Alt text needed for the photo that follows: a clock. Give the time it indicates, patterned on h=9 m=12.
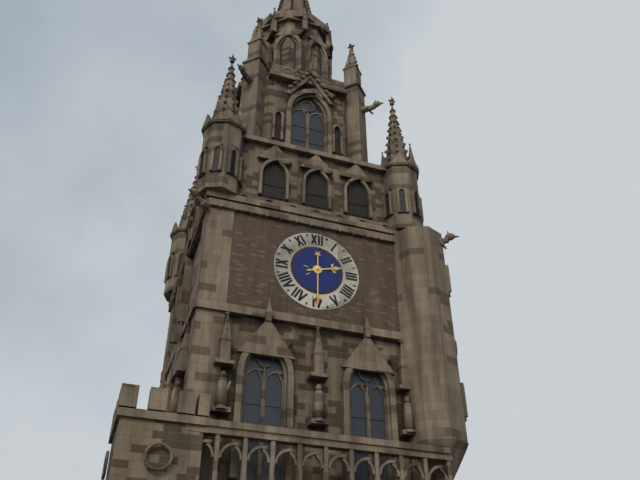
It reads h=2 m=30
